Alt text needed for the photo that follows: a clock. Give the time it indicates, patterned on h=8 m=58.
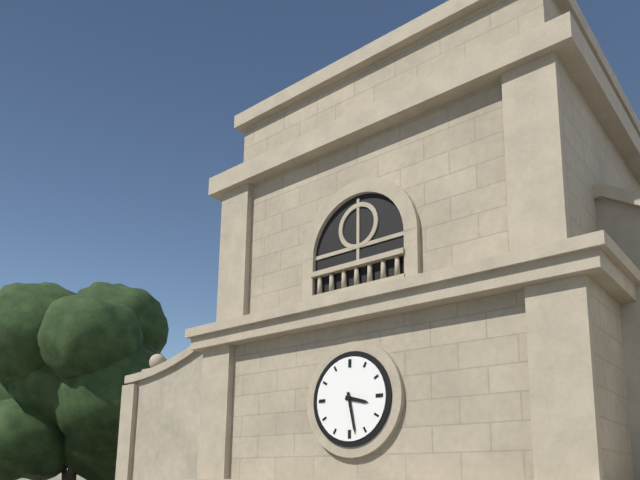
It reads h=3 m=28
